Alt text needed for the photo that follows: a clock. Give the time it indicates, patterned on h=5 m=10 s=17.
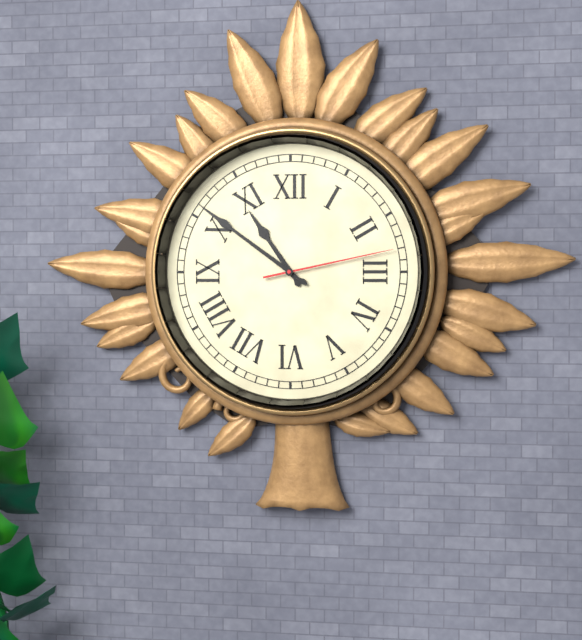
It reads h=10 m=51 s=13
